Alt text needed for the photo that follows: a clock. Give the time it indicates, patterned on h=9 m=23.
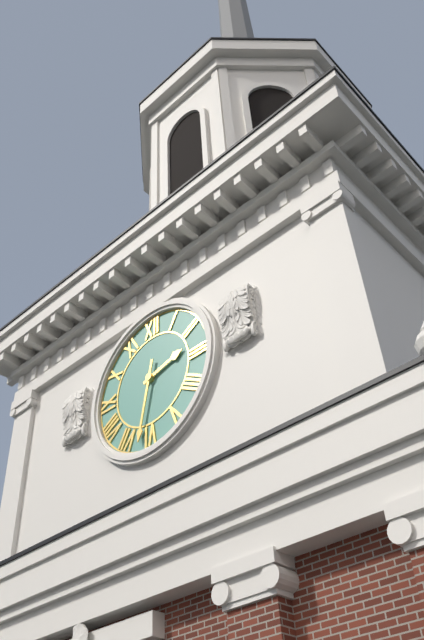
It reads h=2 m=32
